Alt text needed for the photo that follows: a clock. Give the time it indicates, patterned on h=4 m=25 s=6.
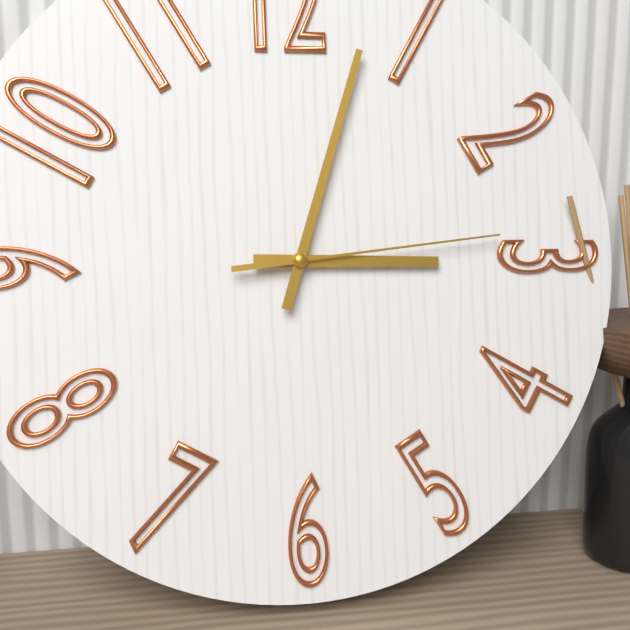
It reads h=3 m=3 s=14
